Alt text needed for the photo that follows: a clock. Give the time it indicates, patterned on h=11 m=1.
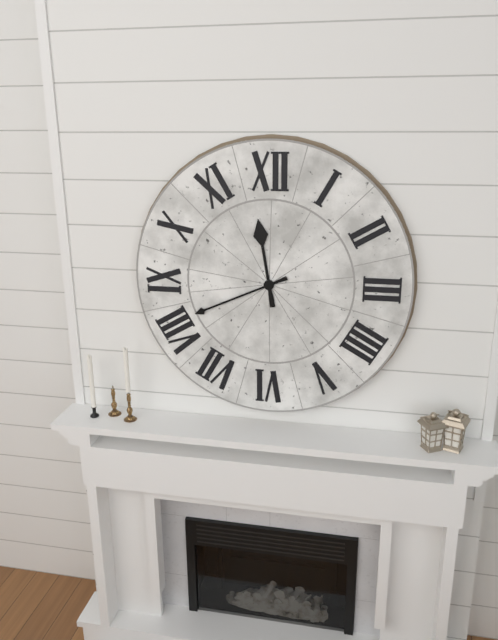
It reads h=11 m=41
